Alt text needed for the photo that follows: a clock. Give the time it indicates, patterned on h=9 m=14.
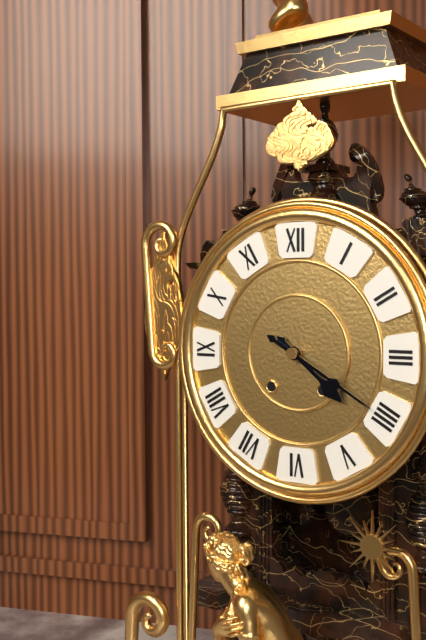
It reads h=4 m=20
